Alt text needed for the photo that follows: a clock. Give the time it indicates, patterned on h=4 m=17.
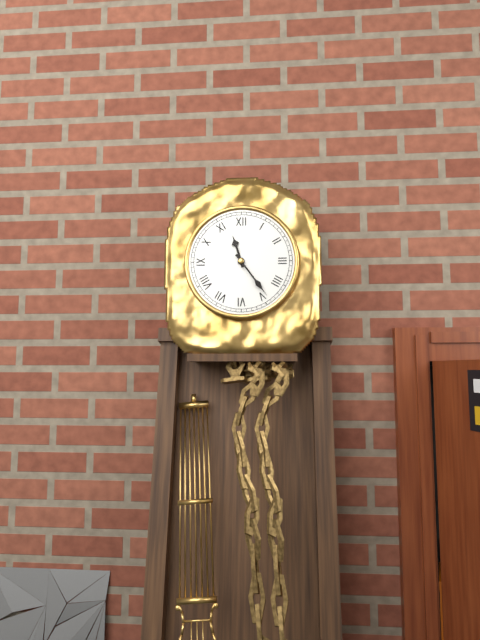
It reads h=11 m=24
